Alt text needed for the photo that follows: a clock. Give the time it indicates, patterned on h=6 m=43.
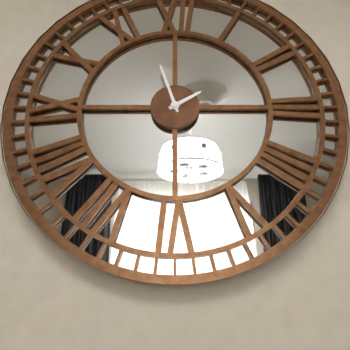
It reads h=1 m=57
